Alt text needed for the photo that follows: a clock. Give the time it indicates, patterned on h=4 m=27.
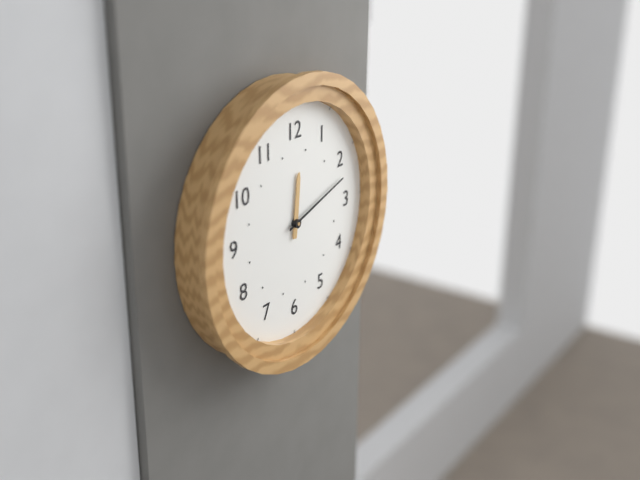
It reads h=12 m=12
